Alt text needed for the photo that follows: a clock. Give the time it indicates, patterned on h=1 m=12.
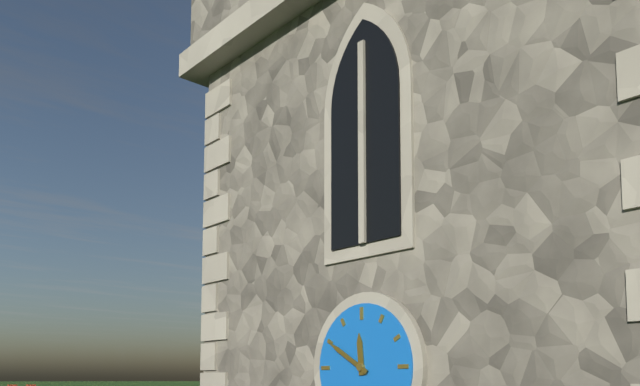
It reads h=11 m=50
